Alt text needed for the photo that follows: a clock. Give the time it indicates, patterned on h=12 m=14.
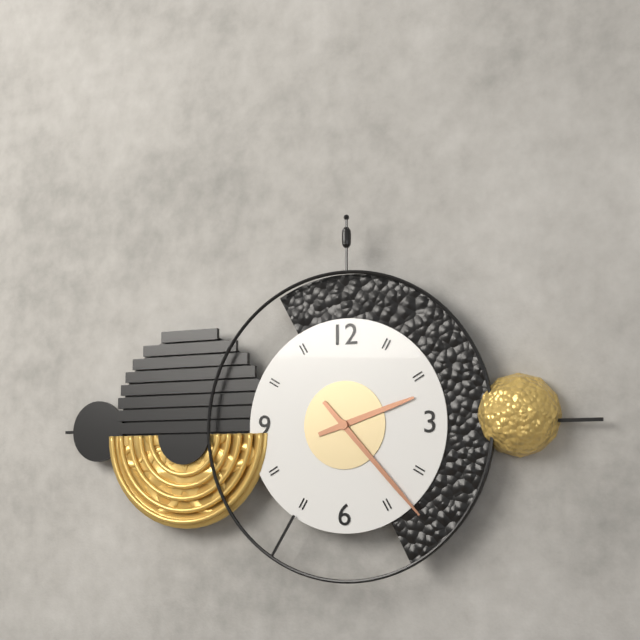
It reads h=2 m=23
